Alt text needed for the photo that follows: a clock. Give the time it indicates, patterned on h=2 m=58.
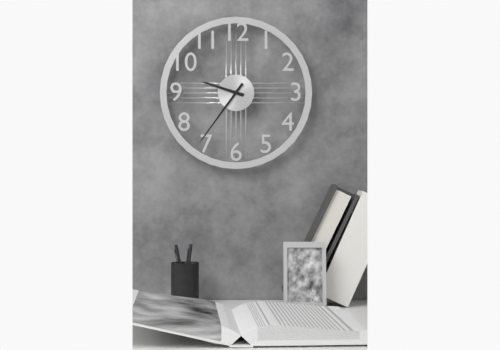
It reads h=9 m=36
